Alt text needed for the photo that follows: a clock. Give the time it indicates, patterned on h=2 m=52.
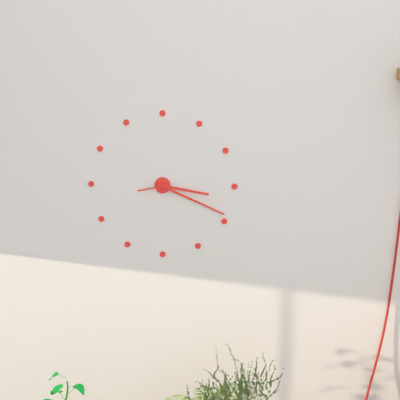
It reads h=3 m=19
